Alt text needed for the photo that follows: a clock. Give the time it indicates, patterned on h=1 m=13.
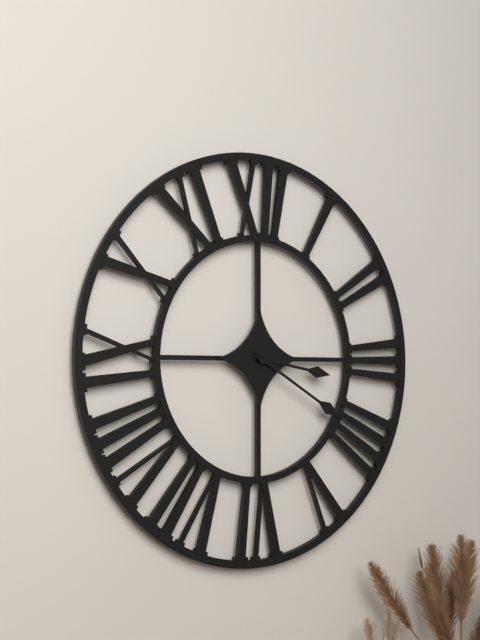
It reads h=3 m=20
